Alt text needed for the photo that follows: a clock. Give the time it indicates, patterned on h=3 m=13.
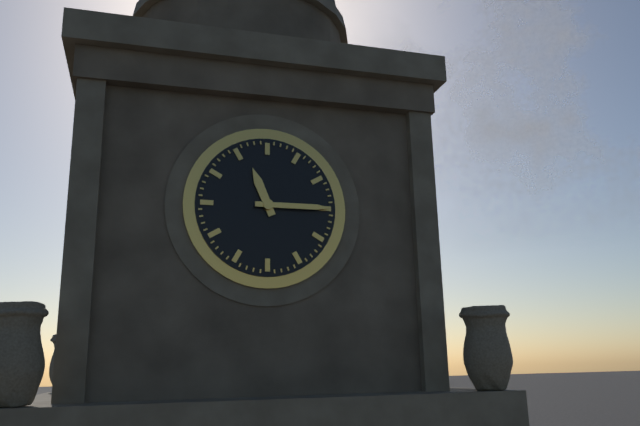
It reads h=11 m=15
